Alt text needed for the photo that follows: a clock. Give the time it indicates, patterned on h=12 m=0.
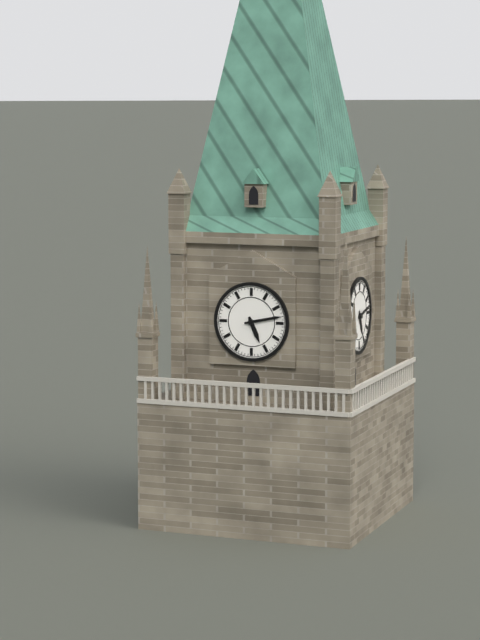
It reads h=5 m=13
